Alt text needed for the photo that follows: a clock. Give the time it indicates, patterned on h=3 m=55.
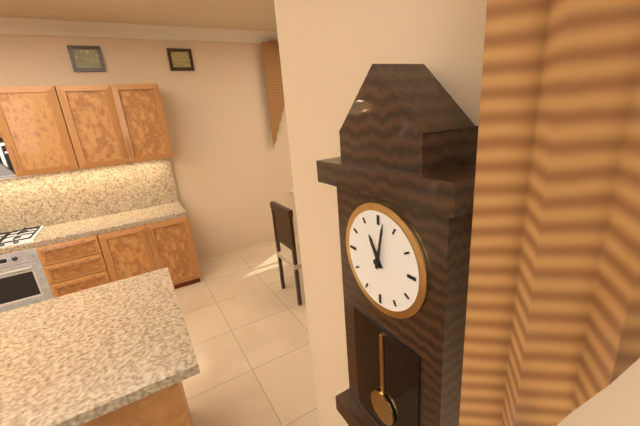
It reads h=11 m=2
